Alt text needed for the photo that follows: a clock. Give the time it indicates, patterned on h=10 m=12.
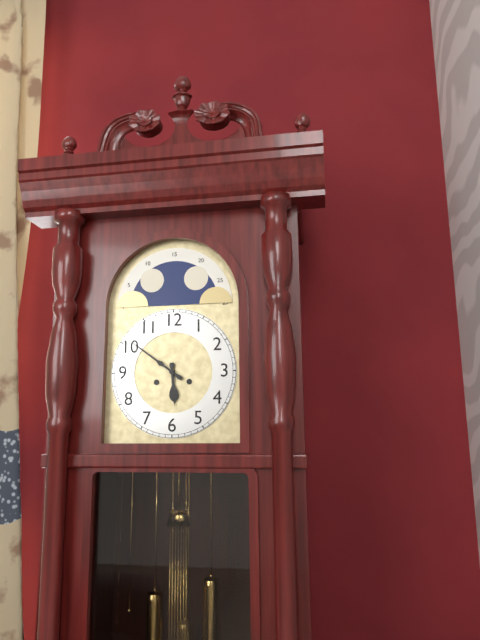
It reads h=5 m=51
